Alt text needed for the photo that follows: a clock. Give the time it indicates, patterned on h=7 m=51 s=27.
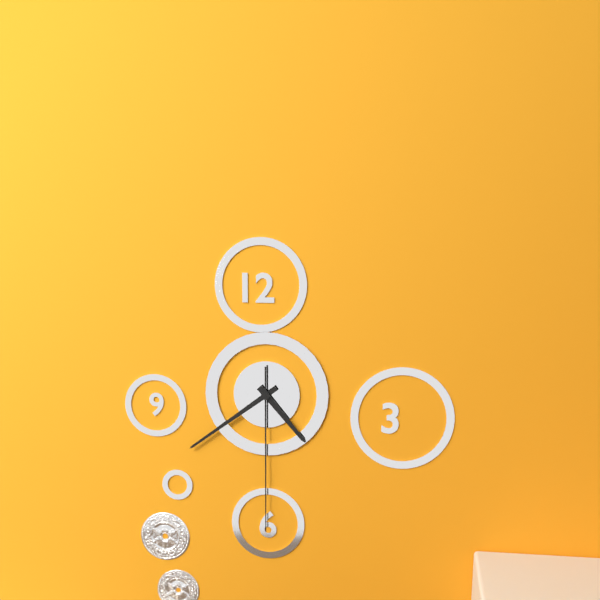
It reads h=4 m=39 s=30
